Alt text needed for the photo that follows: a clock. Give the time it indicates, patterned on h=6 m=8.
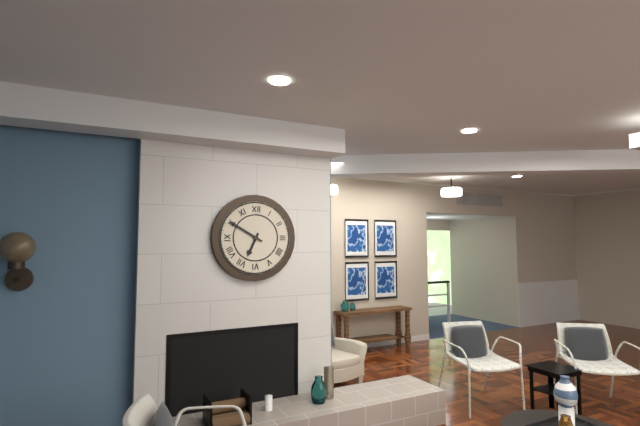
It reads h=6 m=50
